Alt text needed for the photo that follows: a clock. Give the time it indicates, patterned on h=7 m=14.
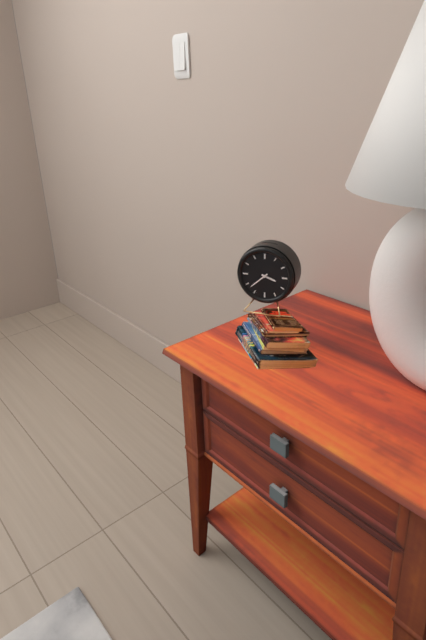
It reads h=3 m=38
